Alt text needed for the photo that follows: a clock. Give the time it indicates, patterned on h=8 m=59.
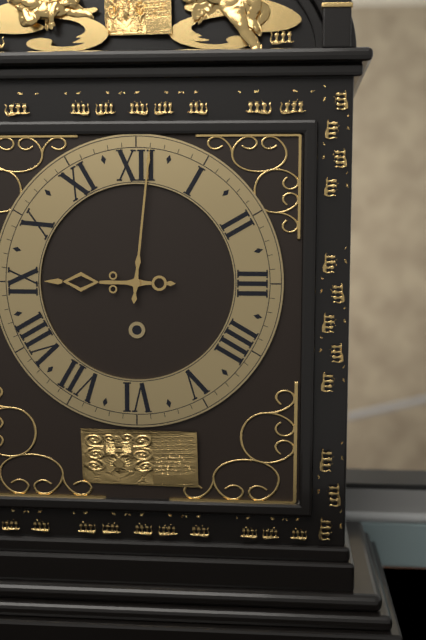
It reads h=9 m=1
